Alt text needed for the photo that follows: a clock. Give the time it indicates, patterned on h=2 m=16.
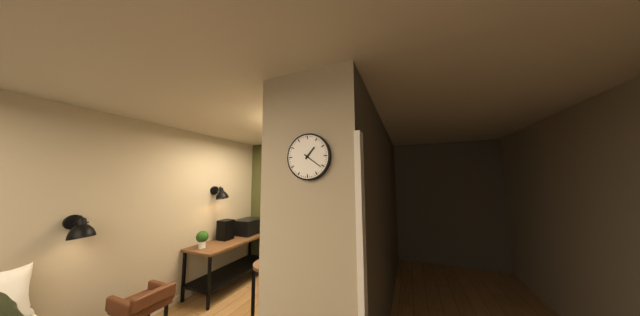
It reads h=1 m=21
